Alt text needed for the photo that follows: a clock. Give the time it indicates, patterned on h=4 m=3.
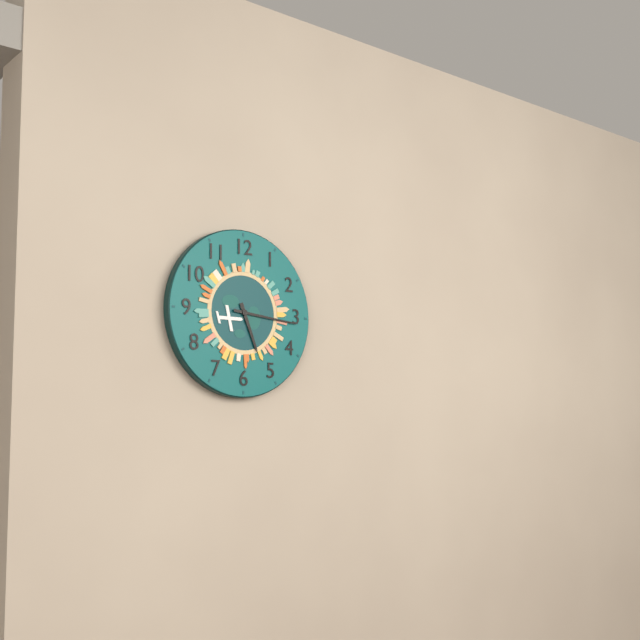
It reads h=5 m=16
